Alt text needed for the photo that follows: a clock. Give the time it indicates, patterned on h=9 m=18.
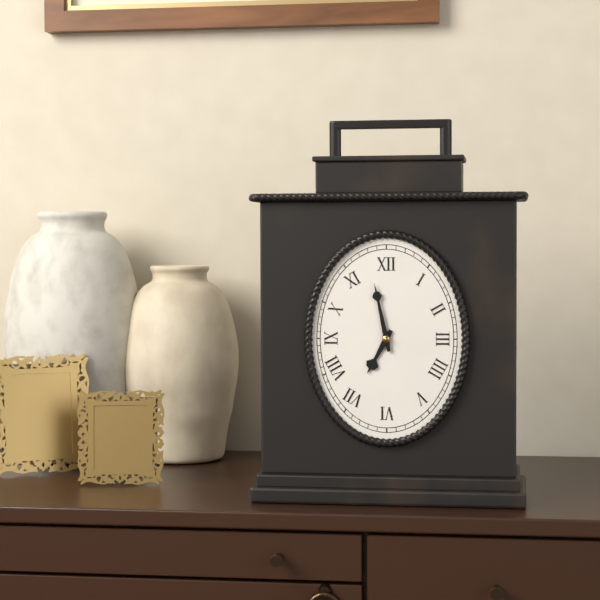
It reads h=6 m=58
